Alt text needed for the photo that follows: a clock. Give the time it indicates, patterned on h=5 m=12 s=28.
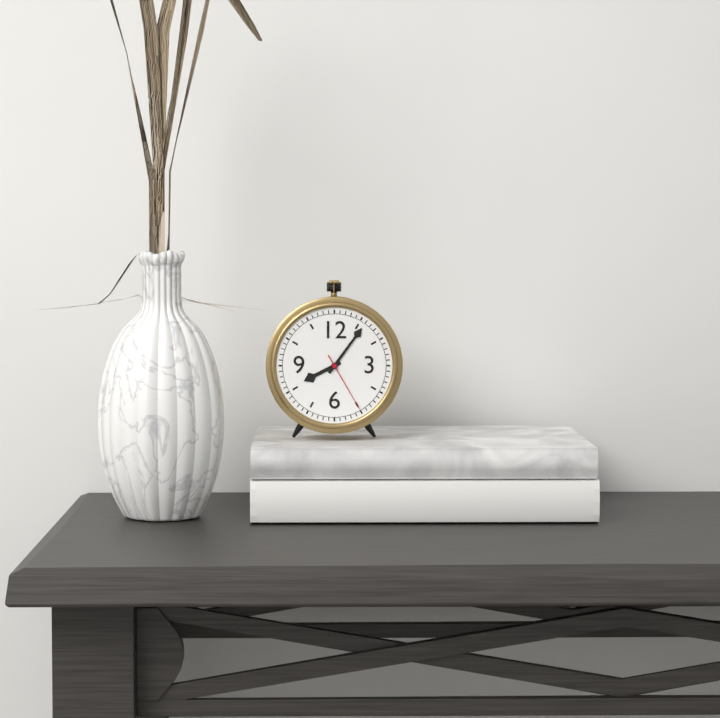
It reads h=8 m=6 s=25
